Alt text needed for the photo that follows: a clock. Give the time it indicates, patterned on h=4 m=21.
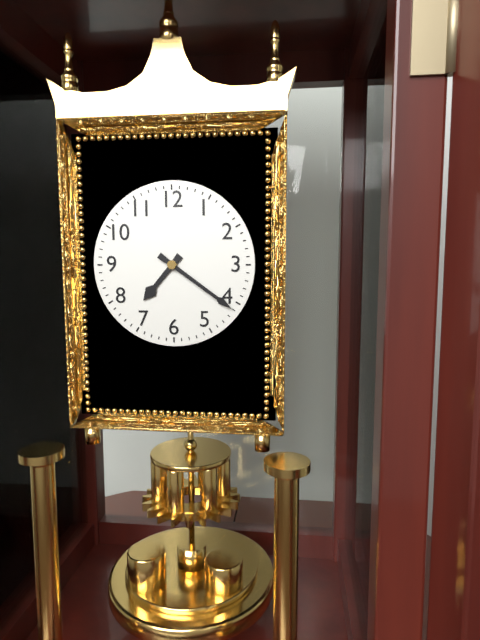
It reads h=7 m=21
